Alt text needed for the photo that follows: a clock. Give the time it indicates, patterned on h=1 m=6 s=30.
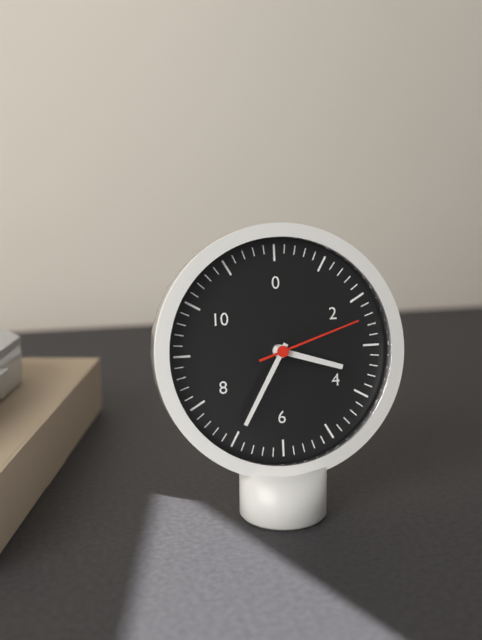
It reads h=3 m=35 s=12
